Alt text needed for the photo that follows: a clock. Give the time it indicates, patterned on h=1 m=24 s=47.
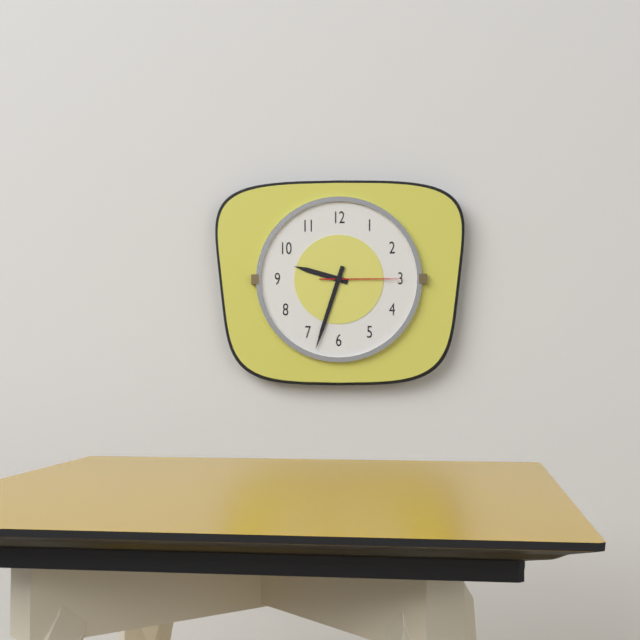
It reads h=9 m=33 s=15
